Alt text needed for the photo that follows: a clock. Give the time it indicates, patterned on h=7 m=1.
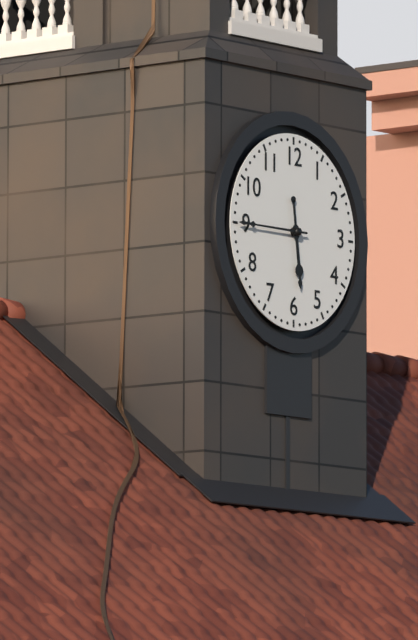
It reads h=5 m=45
